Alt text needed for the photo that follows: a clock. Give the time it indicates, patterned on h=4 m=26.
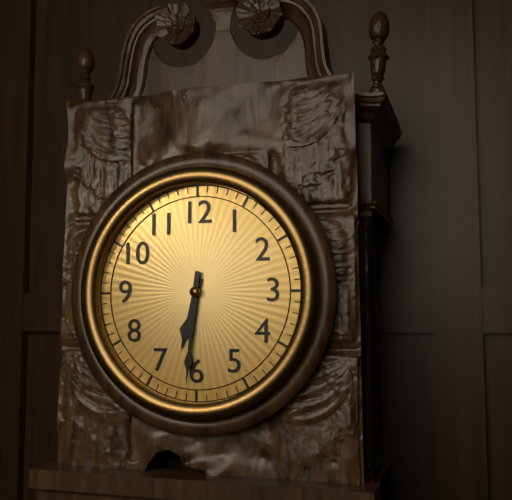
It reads h=6 m=31
